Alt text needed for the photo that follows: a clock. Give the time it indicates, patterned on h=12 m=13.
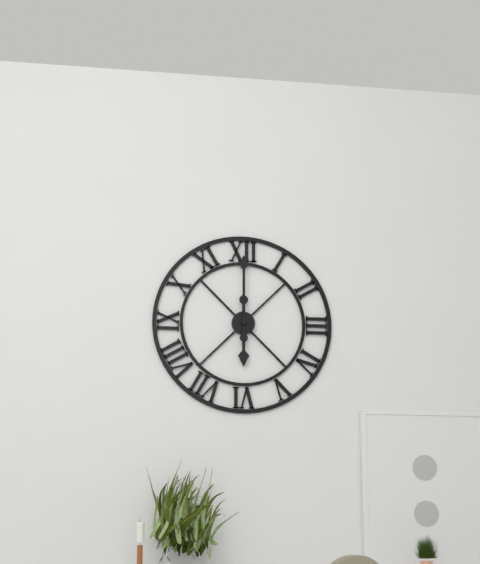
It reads h=6 m=0
